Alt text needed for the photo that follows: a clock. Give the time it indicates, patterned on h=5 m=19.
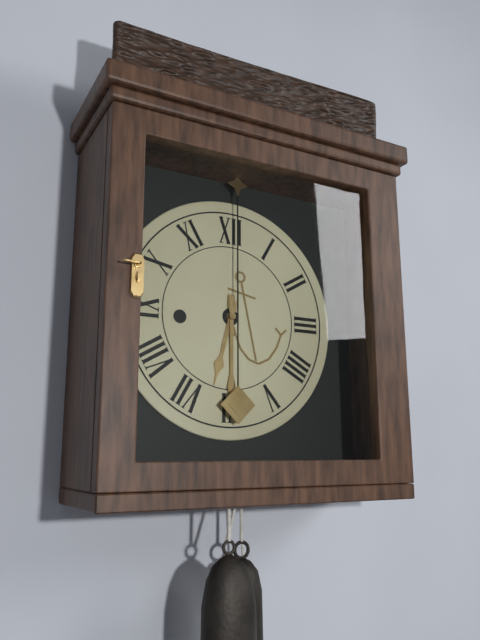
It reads h=6 m=30
